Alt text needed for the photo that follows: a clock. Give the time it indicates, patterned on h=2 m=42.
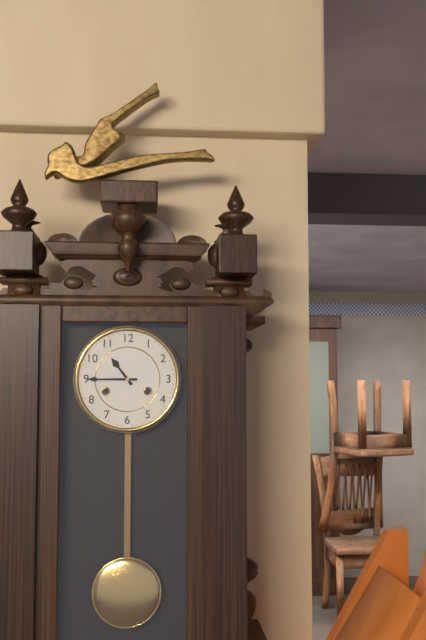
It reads h=10 m=45
